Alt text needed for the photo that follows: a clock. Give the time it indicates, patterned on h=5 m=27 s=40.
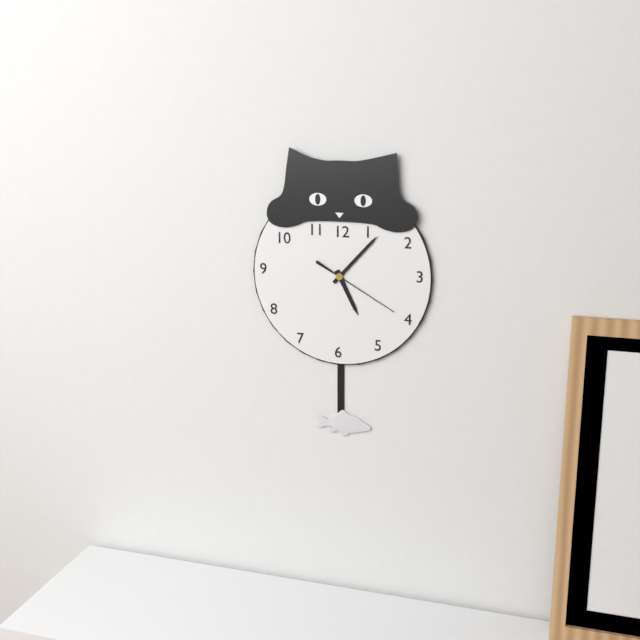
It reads h=5 m=7 s=20
